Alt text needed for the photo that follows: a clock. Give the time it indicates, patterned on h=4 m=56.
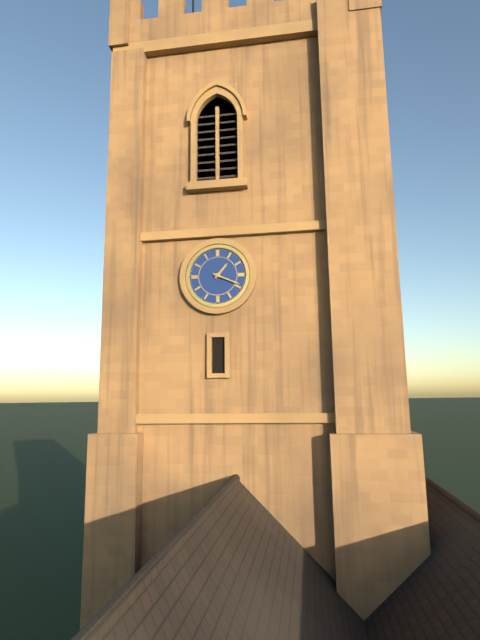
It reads h=1 m=19
